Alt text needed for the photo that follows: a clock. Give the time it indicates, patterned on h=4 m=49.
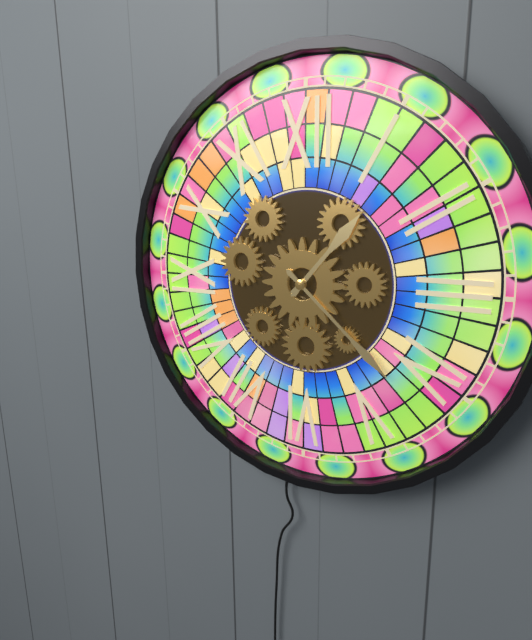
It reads h=1 m=22
